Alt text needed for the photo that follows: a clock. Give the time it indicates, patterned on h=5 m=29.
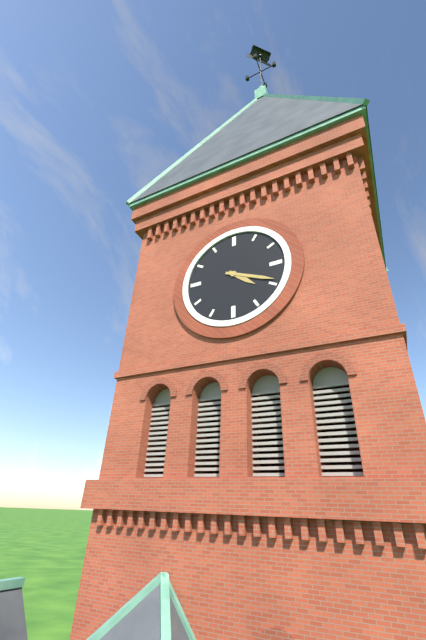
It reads h=4 m=19
